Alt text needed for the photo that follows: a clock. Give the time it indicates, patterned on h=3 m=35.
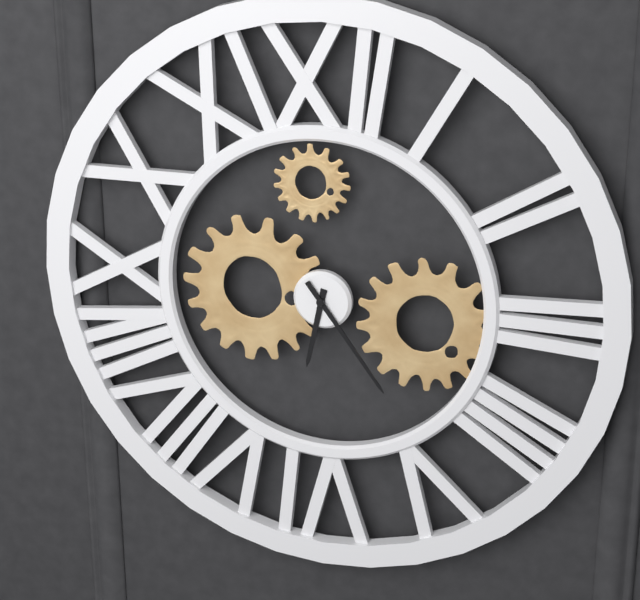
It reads h=6 m=24
